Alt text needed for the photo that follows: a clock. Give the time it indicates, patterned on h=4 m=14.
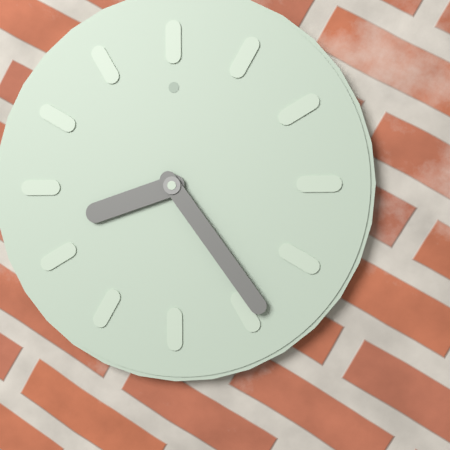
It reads h=8 m=24
